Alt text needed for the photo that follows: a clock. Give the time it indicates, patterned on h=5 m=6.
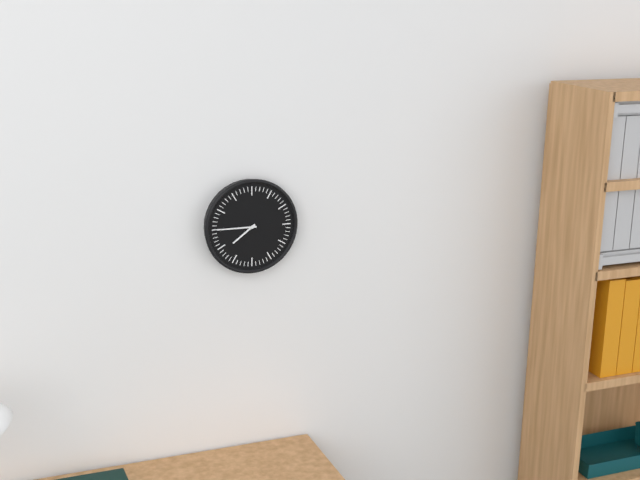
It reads h=7 m=45
